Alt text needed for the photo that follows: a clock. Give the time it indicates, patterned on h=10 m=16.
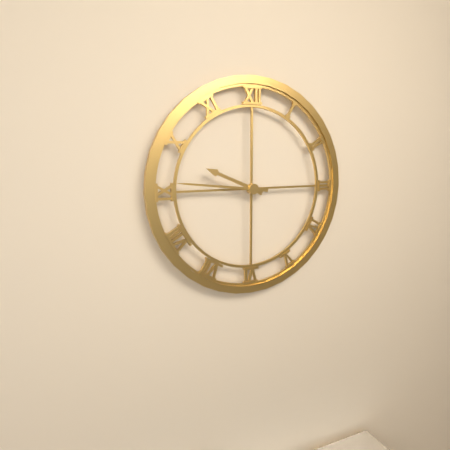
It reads h=9 m=46
